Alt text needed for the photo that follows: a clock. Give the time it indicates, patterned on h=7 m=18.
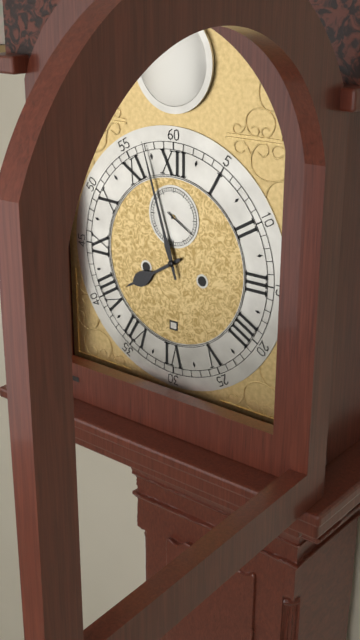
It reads h=7 m=57
